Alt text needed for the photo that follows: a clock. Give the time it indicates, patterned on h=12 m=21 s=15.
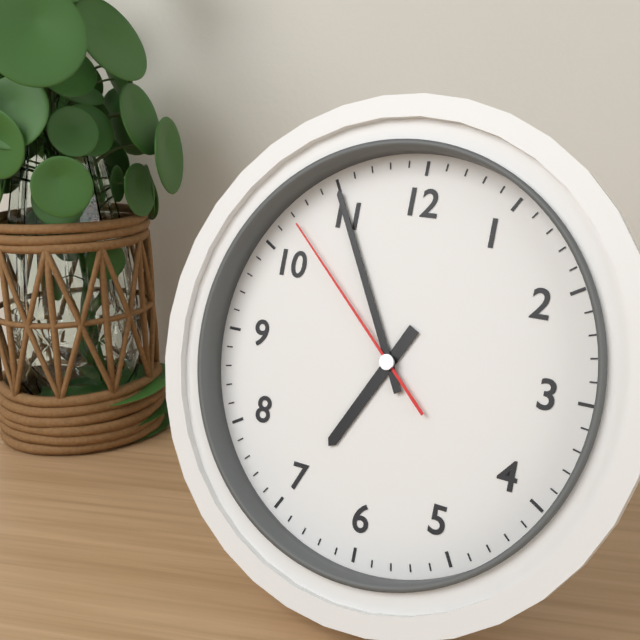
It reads h=6 m=55 s=52
